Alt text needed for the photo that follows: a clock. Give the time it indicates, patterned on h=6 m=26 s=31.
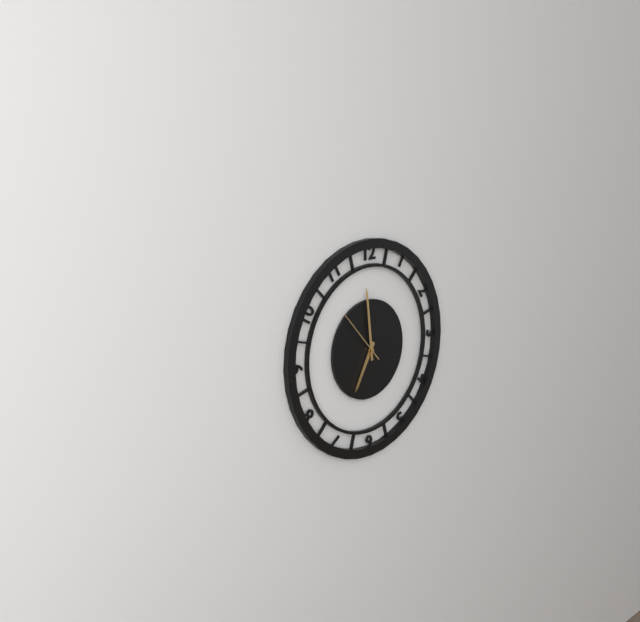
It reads h=6 m=59 s=53
